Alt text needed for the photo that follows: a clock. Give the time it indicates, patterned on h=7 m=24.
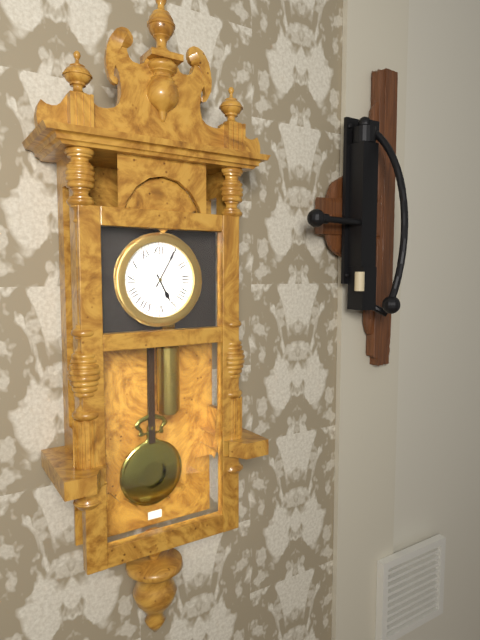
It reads h=5 m=5
